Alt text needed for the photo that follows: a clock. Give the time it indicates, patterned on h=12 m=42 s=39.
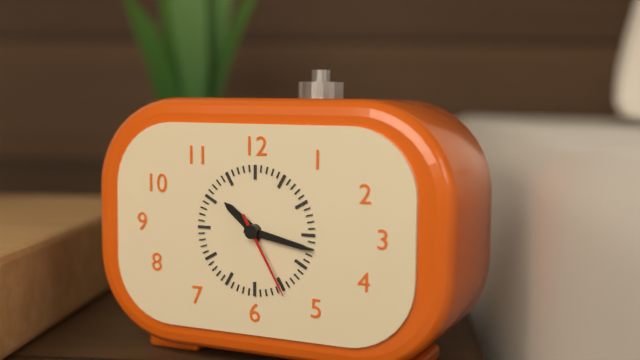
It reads h=10 m=17 s=25
